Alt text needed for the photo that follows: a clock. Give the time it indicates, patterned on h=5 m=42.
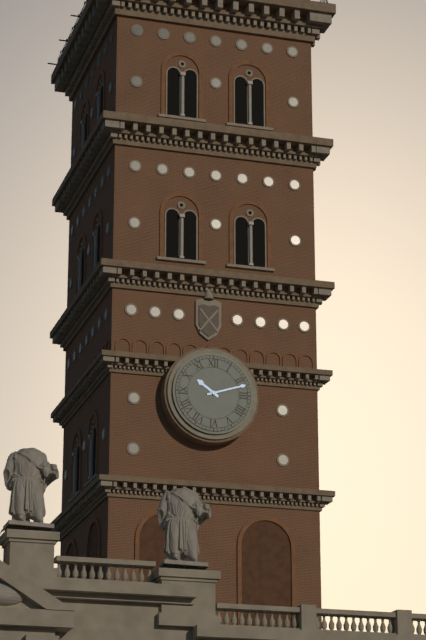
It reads h=10 m=12
